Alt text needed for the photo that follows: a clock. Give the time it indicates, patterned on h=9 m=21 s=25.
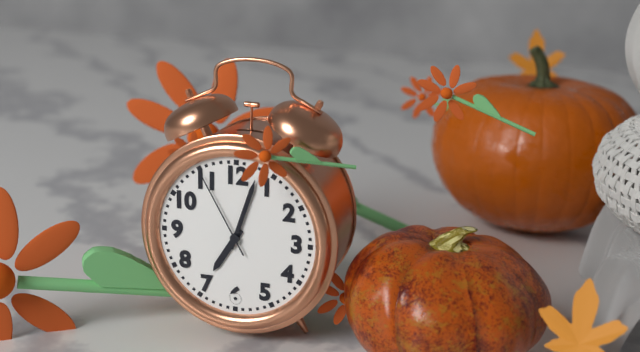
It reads h=7 m=3 s=55
